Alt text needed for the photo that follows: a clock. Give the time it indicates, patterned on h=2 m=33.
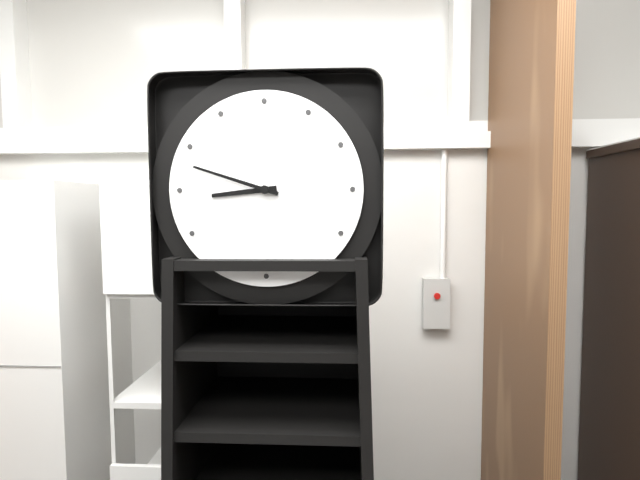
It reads h=8 m=48
